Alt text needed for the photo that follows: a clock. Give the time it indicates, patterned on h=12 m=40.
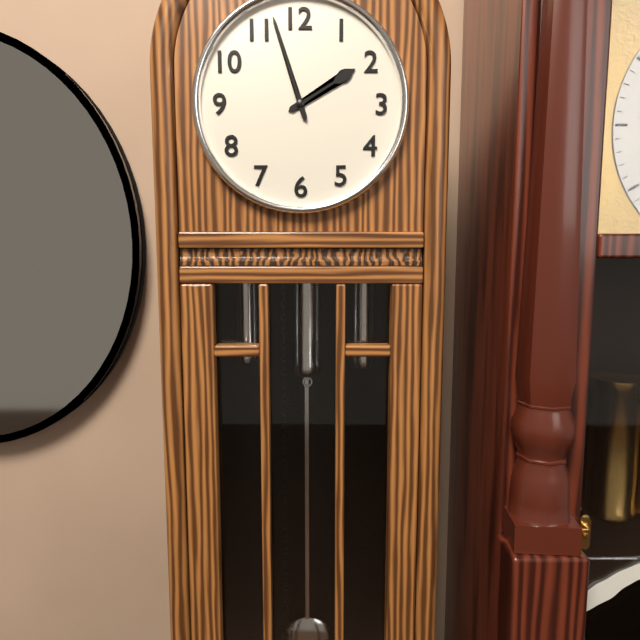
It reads h=1 m=57
